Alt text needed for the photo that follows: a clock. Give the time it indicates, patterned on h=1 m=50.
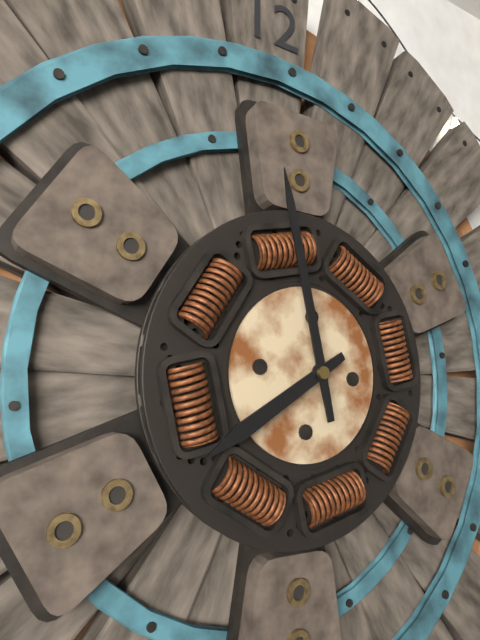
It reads h=7 m=58
